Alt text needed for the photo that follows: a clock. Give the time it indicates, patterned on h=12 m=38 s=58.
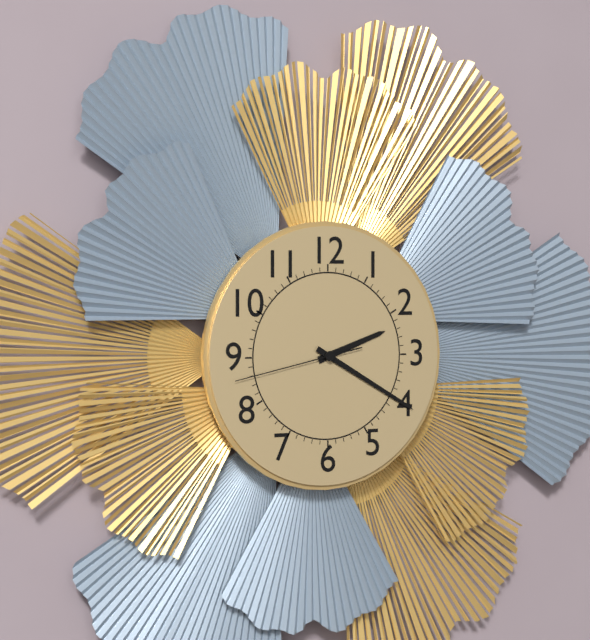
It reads h=2 m=20 s=43
